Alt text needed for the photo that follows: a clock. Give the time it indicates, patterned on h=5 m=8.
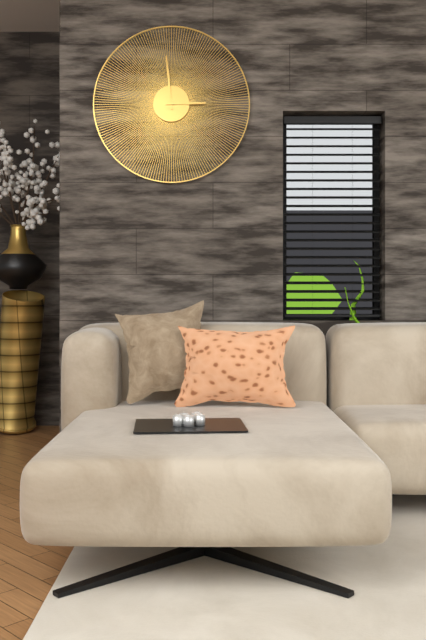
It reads h=2 m=59
